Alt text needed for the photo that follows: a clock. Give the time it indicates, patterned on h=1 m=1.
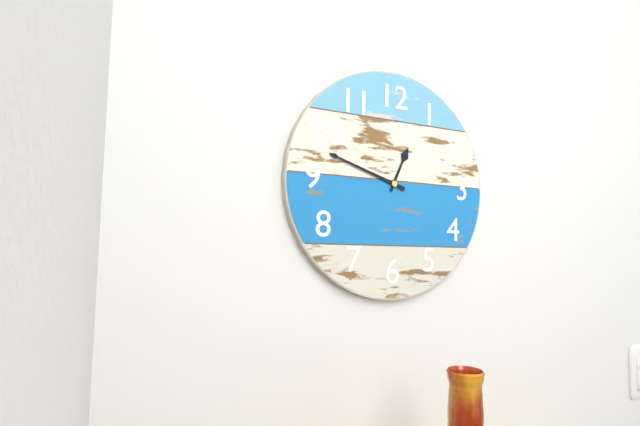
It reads h=12 m=48
